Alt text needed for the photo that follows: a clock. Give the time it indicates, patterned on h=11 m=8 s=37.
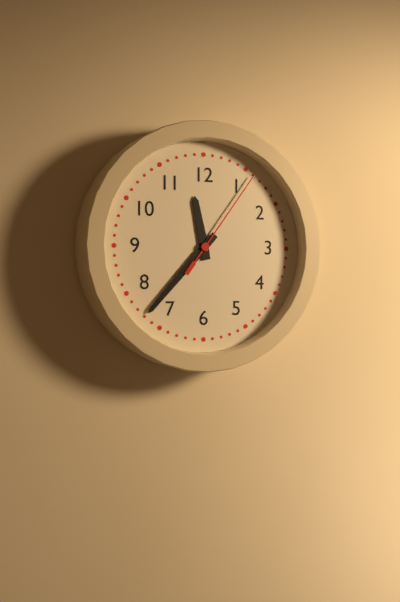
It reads h=11 m=37 s=6
